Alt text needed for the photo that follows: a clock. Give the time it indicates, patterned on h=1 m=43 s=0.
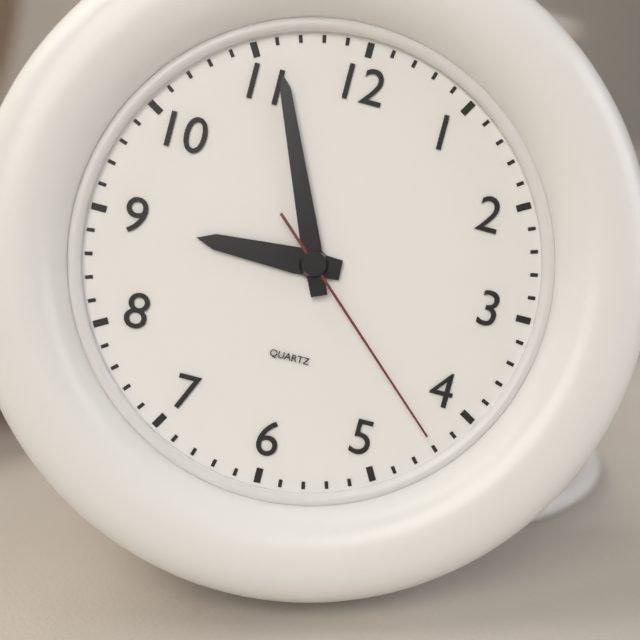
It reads h=8 m=56 s=22
